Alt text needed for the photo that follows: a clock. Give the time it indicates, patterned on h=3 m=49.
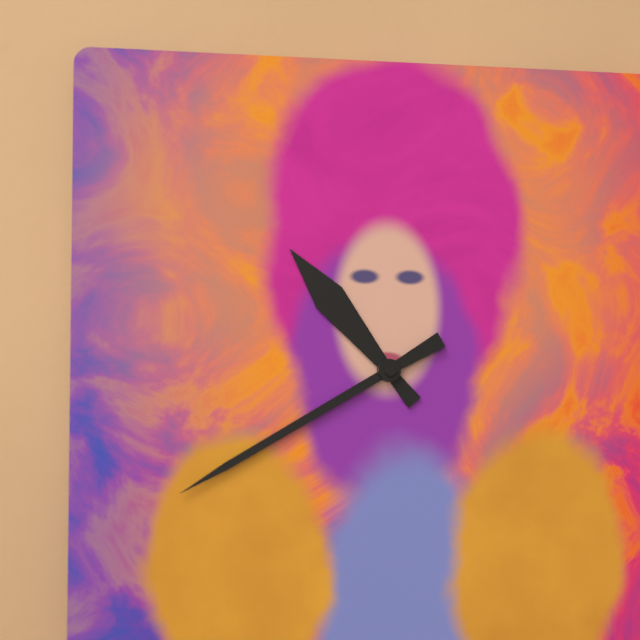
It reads h=10 m=40
